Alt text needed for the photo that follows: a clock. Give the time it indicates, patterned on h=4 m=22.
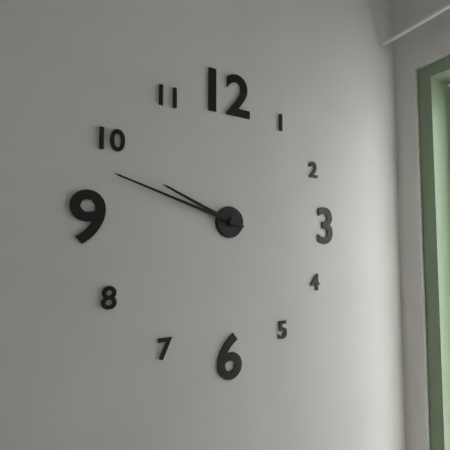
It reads h=9 m=48
